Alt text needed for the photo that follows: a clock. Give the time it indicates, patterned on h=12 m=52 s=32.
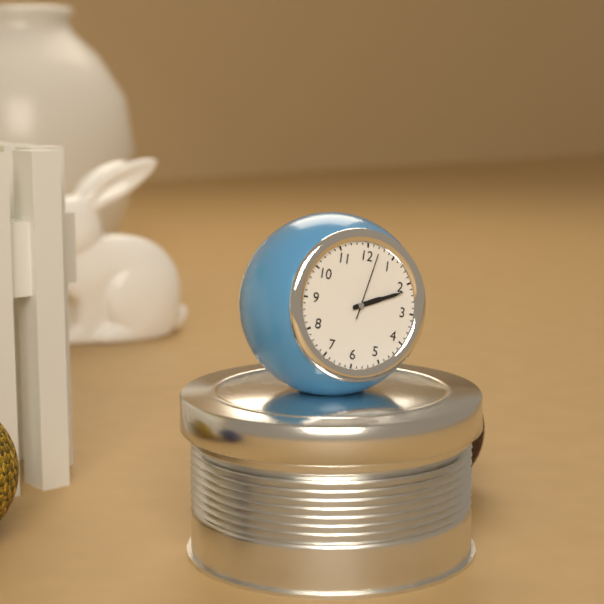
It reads h=2 m=11 s=2
